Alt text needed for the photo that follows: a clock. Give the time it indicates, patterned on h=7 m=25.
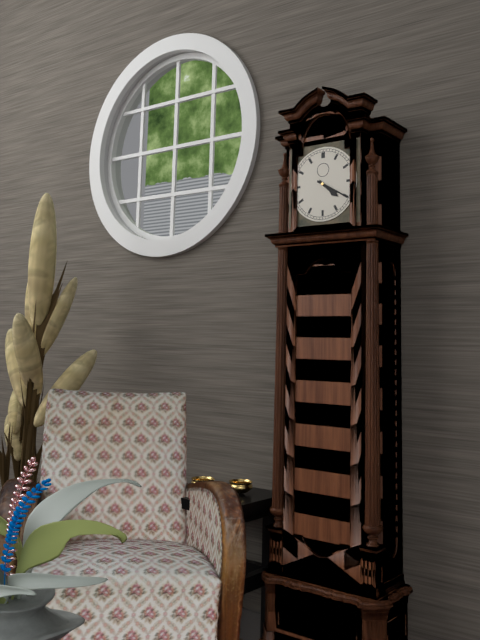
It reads h=4 m=20
